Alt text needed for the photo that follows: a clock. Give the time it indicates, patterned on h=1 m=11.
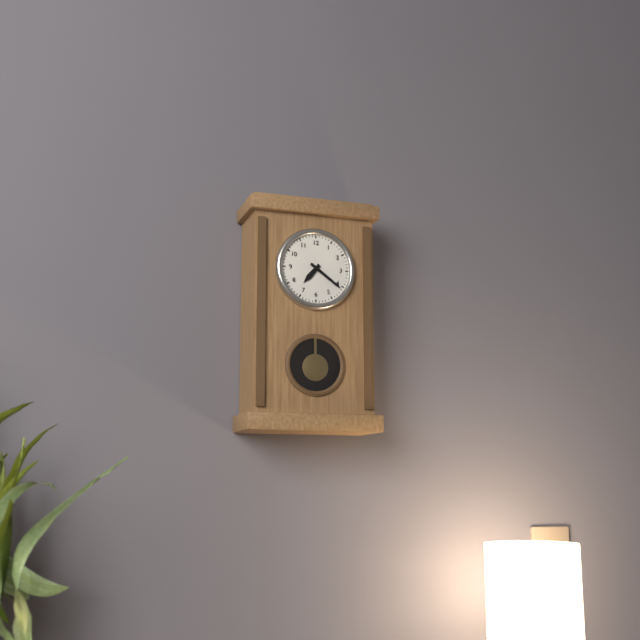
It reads h=7 m=21
